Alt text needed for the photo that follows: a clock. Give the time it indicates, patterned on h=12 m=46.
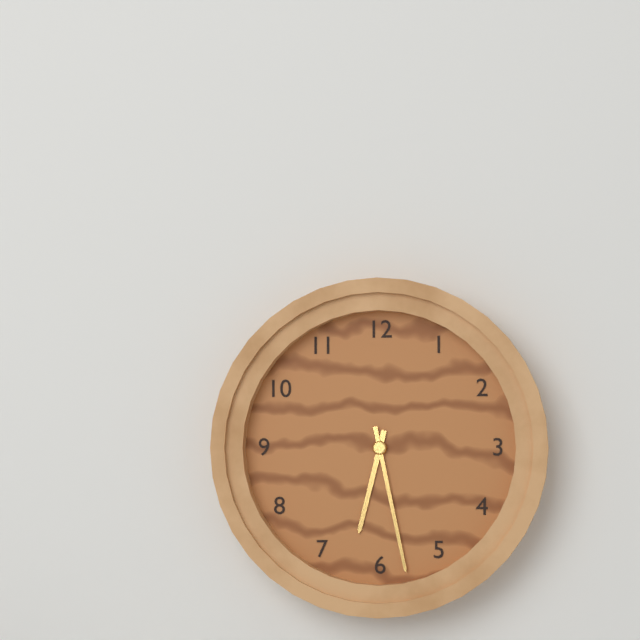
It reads h=6 m=28
